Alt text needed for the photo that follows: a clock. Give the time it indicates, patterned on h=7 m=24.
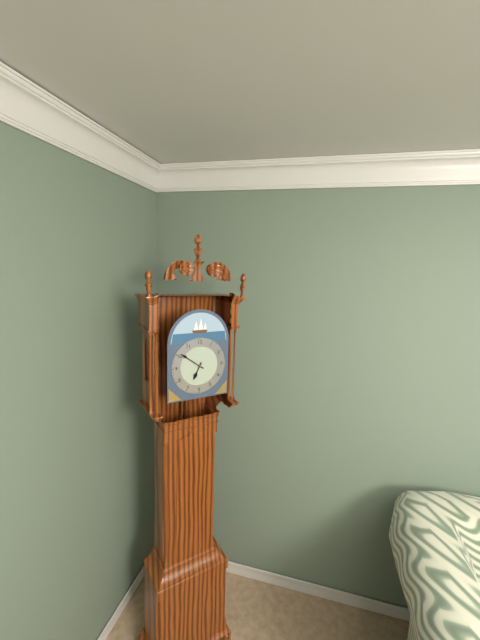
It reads h=6 m=51
